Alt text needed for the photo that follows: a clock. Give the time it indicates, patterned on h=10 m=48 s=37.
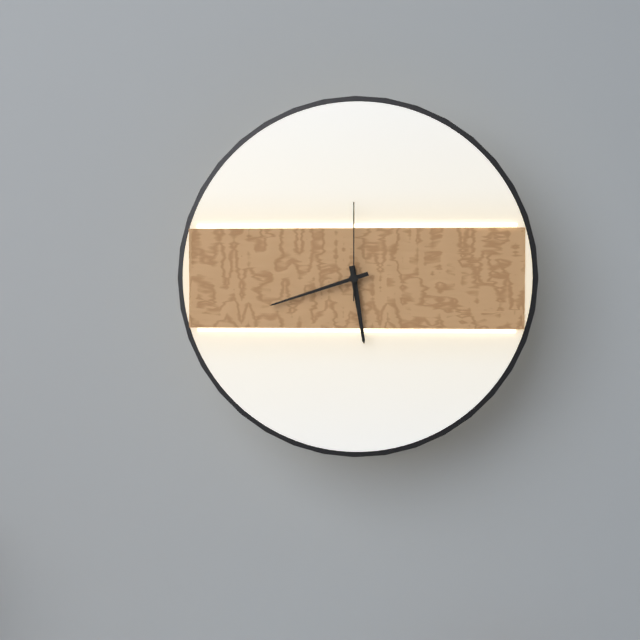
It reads h=5 m=42 s=0
